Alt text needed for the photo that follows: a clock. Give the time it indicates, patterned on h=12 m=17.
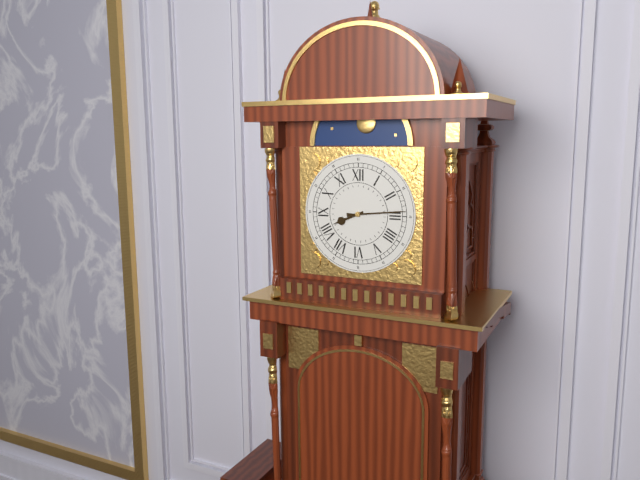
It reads h=8 m=14
